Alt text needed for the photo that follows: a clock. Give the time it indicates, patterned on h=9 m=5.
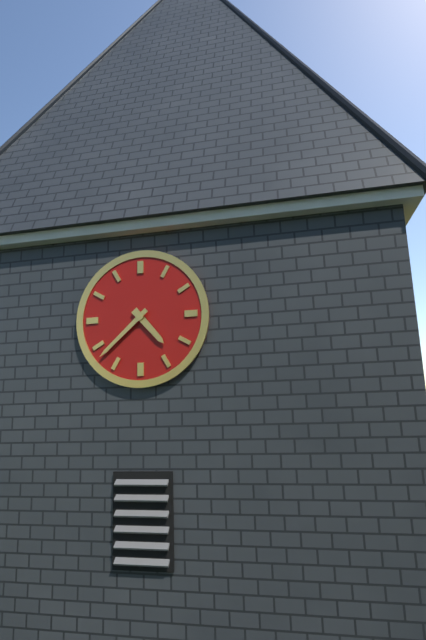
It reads h=4 m=38
